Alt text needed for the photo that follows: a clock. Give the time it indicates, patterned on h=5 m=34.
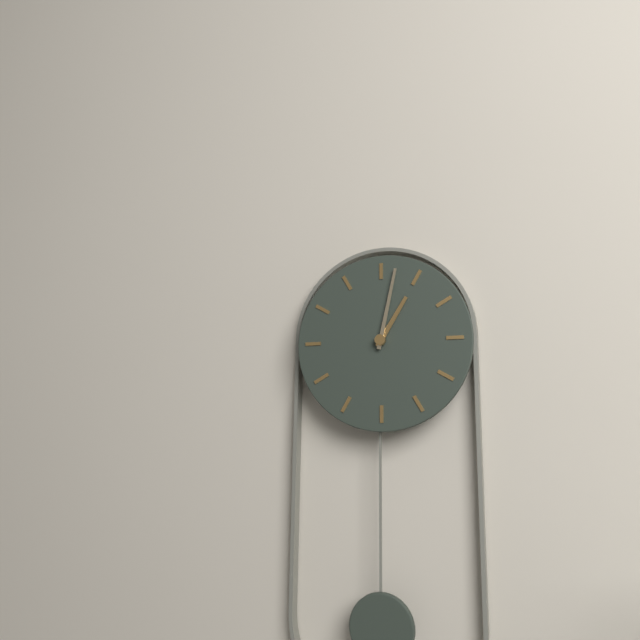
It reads h=1 m=2
